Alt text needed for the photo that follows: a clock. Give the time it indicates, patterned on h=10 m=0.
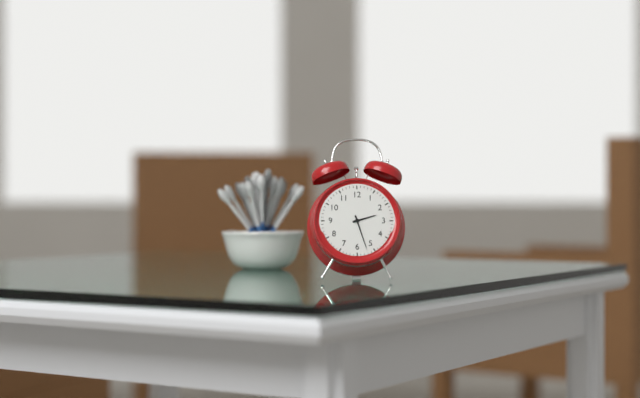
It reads h=2 m=27
